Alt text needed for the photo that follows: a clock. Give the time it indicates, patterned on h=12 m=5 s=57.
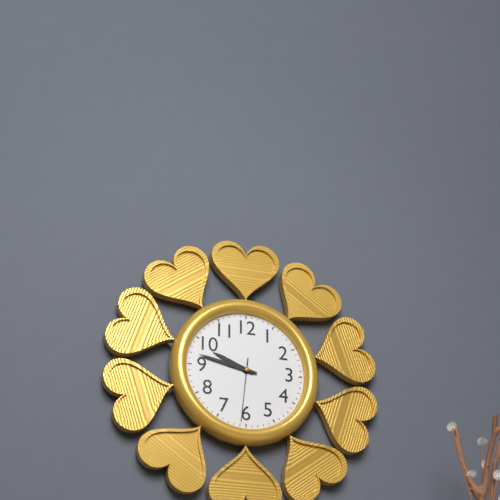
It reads h=9 m=47 s=31
